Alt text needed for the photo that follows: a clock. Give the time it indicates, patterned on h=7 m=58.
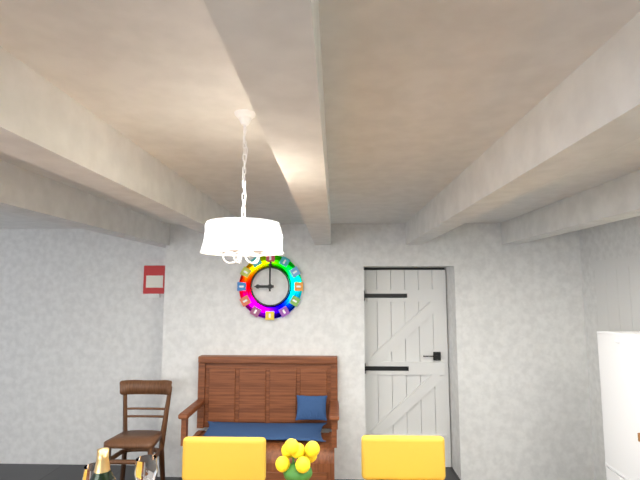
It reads h=9 m=0
